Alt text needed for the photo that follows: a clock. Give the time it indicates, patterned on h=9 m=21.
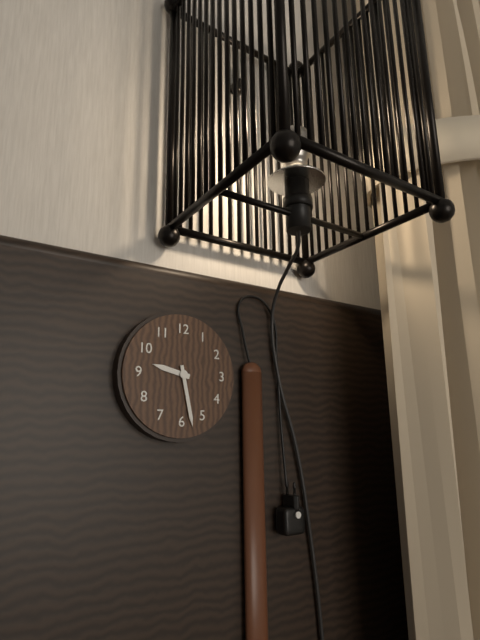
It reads h=9 m=28
